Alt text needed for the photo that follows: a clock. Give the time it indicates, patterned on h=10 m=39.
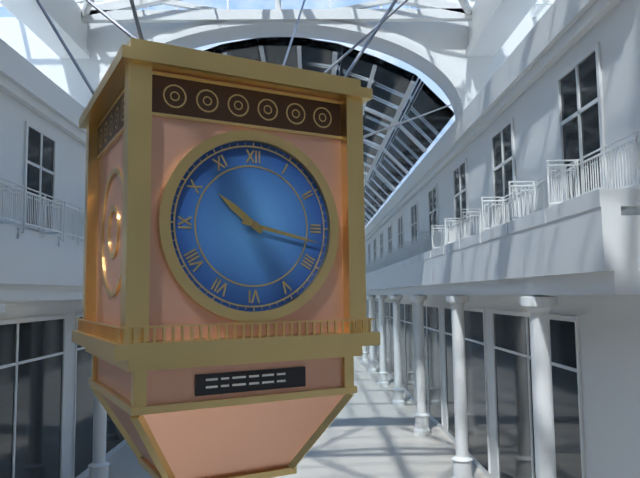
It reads h=10 m=17
